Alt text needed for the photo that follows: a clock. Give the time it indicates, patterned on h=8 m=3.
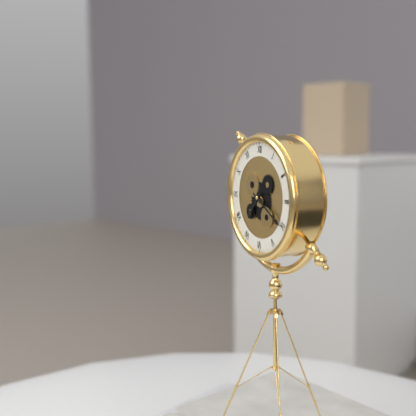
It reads h=7 m=20
